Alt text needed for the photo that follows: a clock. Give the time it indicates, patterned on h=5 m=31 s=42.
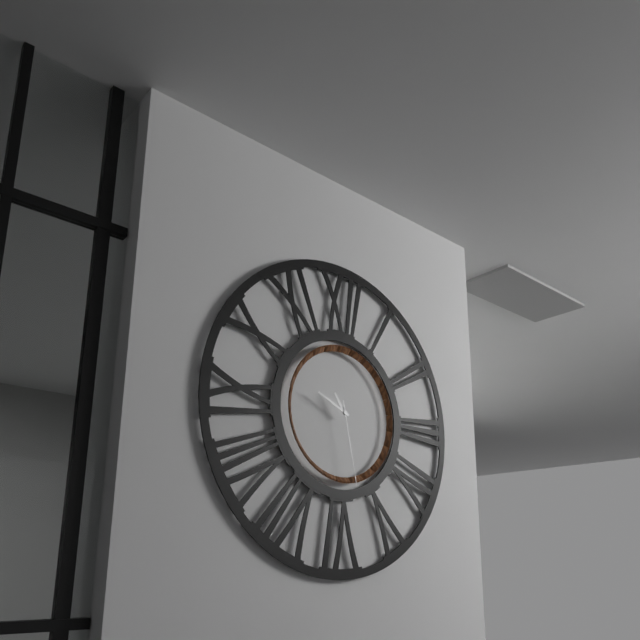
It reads h=10 m=49 s=28
